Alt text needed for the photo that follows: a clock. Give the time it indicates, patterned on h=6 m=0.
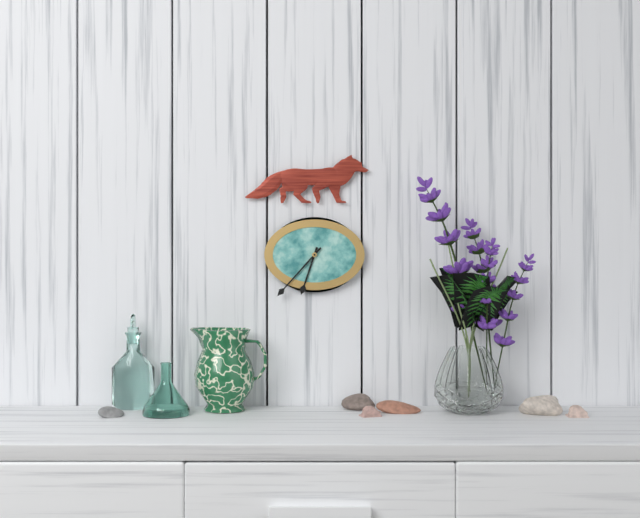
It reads h=6 m=37
